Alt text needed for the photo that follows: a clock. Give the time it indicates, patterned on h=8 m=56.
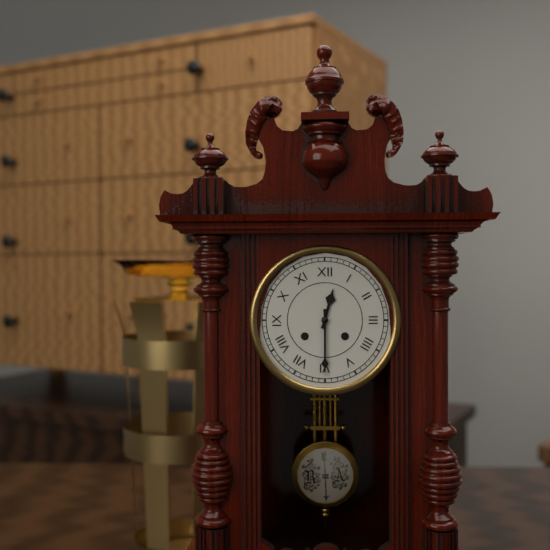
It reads h=12 m=30
